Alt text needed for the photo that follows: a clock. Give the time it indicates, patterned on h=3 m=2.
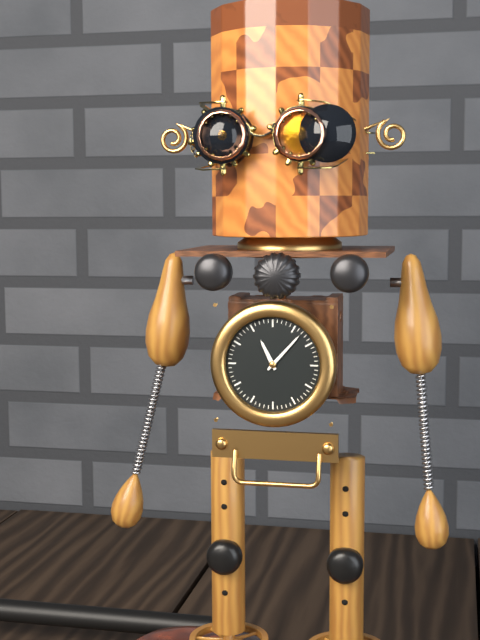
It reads h=11 m=7
